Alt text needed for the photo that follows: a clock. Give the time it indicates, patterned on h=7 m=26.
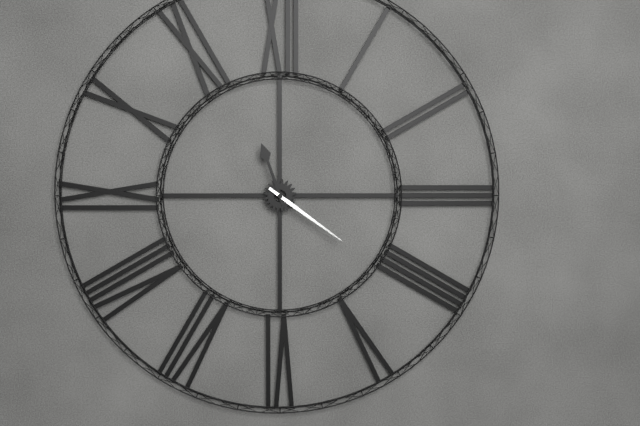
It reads h=11 m=21
